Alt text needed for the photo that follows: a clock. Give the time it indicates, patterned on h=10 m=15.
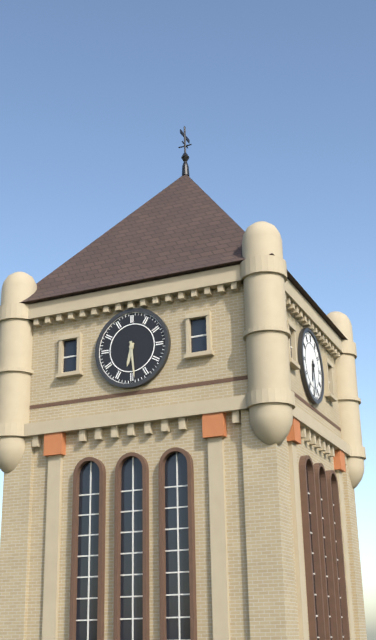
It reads h=6 m=29
